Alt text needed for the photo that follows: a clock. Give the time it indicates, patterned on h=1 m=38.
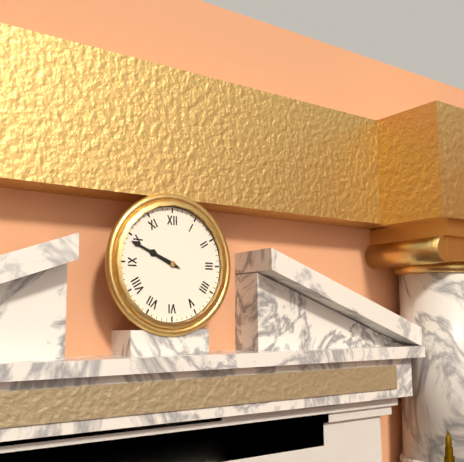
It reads h=9 m=49
